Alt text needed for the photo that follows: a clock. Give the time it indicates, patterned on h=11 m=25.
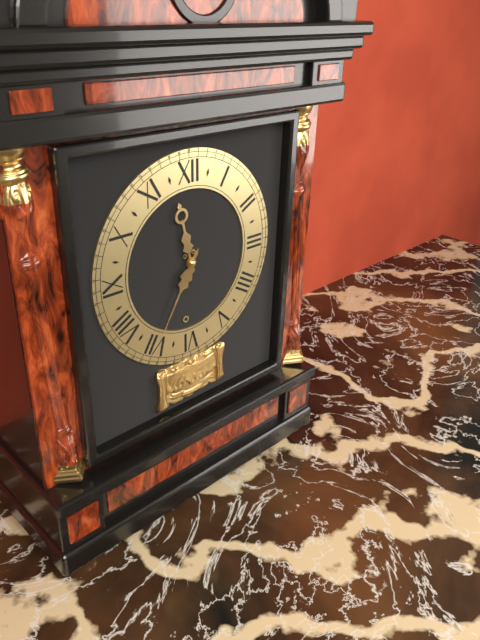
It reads h=11 m=35
